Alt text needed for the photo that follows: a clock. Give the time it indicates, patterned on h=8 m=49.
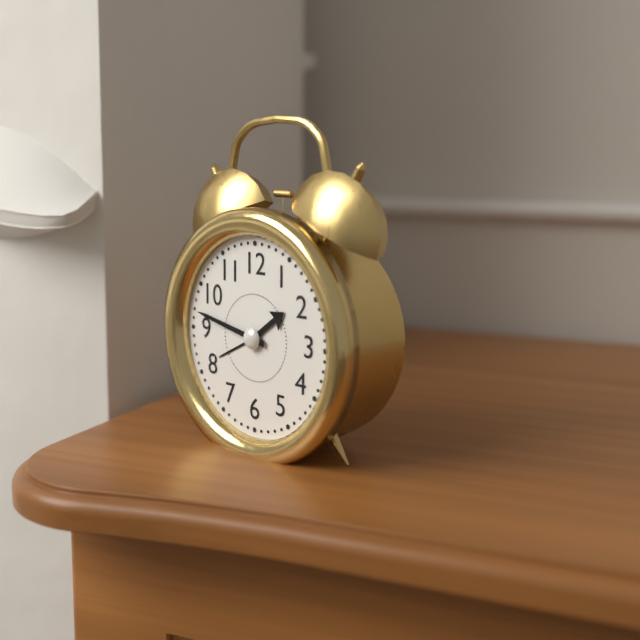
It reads h=1 m=47
